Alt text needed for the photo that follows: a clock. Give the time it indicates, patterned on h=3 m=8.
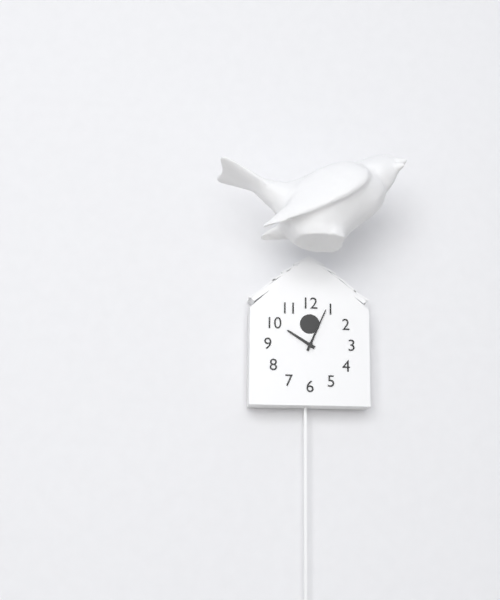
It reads h=10 m=4
